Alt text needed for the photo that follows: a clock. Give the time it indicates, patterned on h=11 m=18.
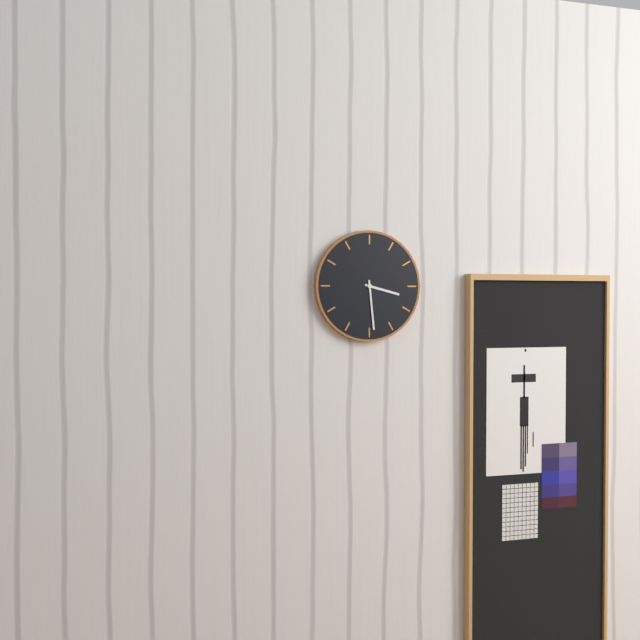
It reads h=3 m=29
